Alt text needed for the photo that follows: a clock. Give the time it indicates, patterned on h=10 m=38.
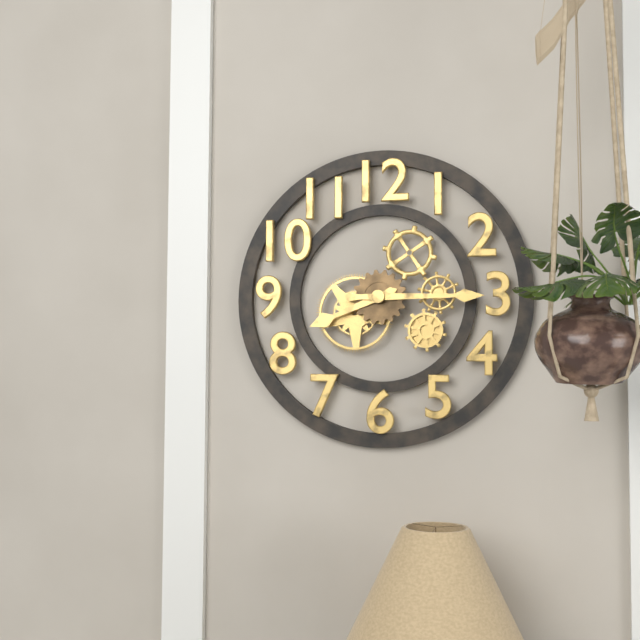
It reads h=8 m=15
